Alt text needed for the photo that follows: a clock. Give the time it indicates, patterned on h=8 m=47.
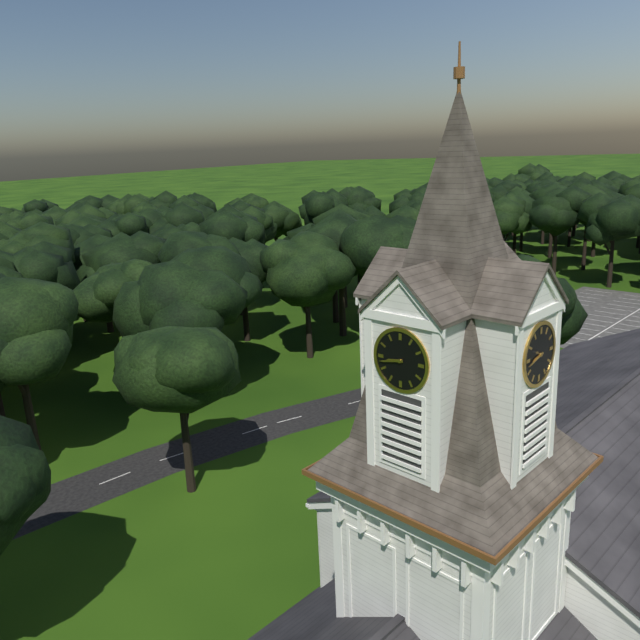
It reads h=8 m=43
